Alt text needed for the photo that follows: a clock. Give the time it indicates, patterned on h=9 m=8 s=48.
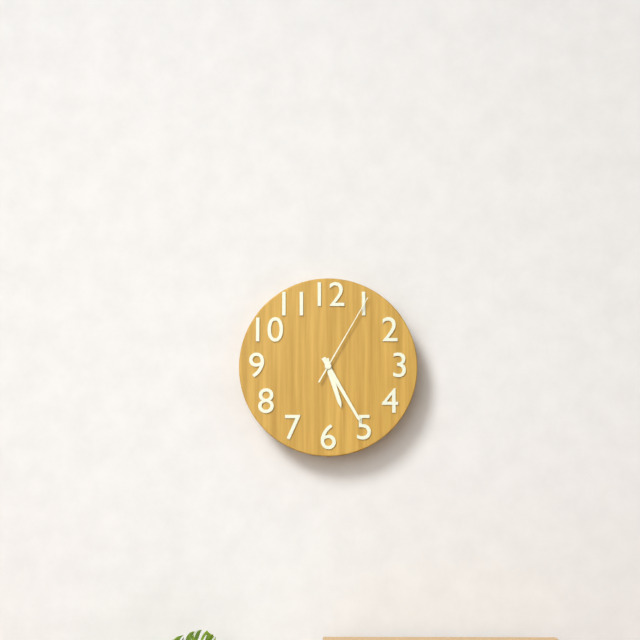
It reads h=5 m=25 s=5
